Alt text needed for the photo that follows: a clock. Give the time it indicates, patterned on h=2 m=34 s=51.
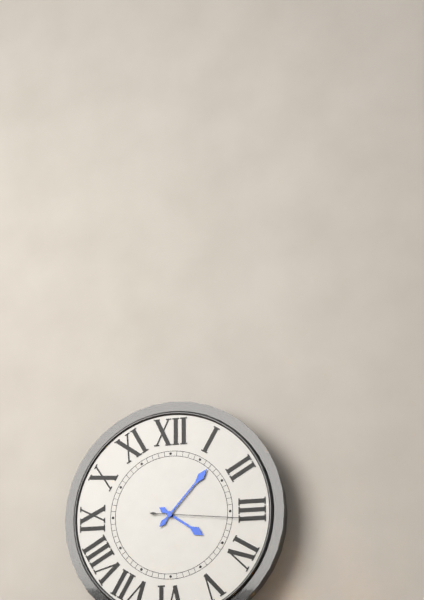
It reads h=4 m=7 s=16
